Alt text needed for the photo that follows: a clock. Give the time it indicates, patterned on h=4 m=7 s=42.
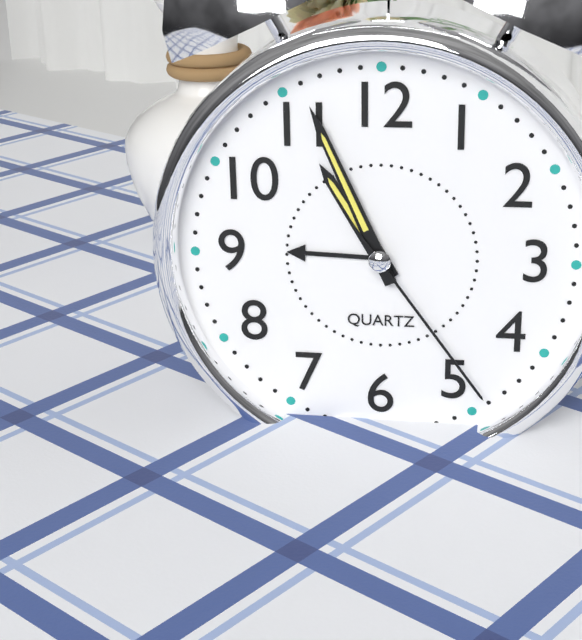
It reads h=10 m=56 s=24
